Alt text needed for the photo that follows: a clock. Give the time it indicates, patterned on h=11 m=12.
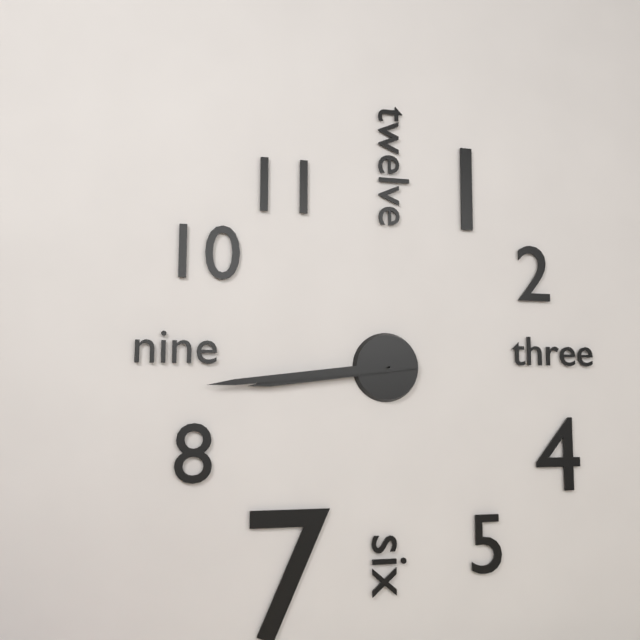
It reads h=8 m=44
